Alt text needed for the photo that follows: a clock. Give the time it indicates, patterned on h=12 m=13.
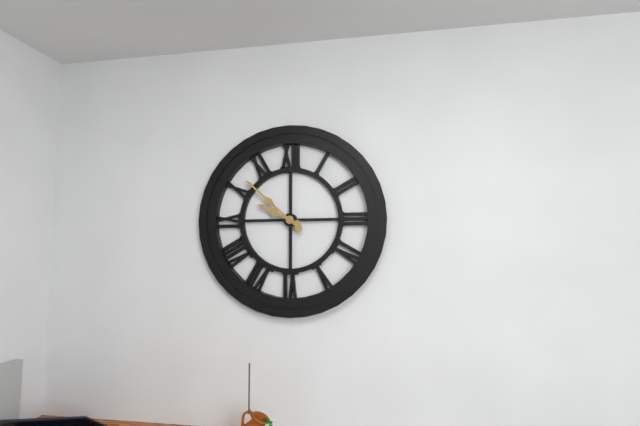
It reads h=9 m=52
